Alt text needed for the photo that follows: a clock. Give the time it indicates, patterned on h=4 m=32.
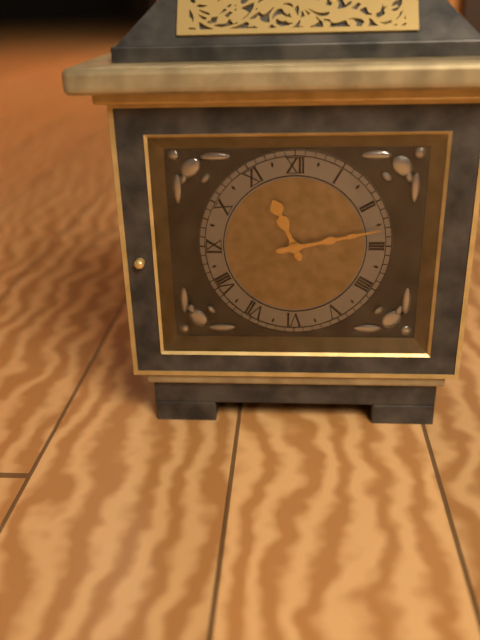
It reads h=11 m=13
